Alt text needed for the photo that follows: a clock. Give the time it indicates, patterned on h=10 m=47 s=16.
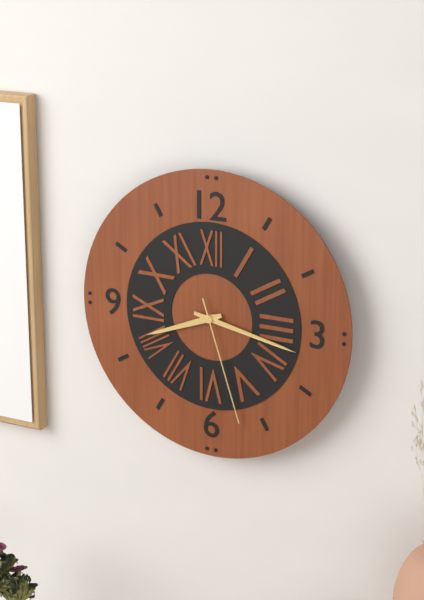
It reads h=8 m=17 s=27
